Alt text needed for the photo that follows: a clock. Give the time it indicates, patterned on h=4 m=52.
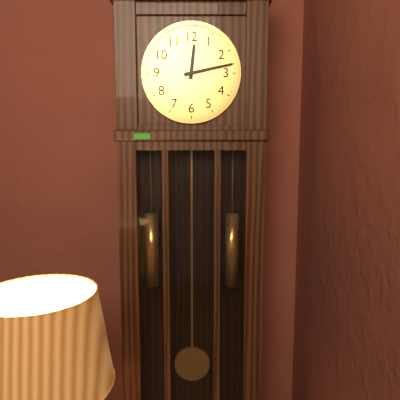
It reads h=12 m=13
